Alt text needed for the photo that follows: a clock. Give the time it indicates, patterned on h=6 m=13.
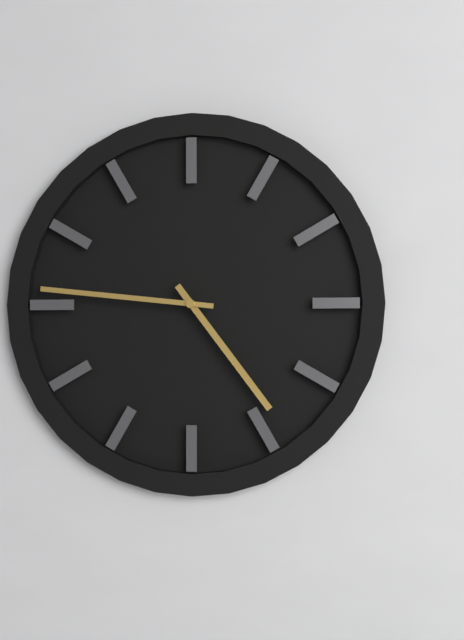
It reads h=4 m=46
